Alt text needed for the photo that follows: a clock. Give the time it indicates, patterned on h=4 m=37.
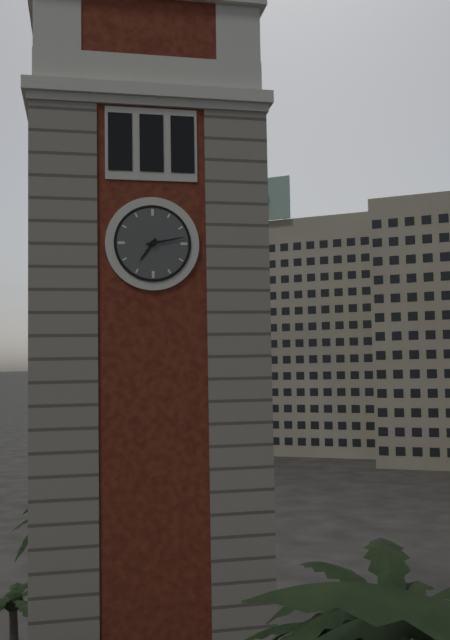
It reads h=7 m=13
